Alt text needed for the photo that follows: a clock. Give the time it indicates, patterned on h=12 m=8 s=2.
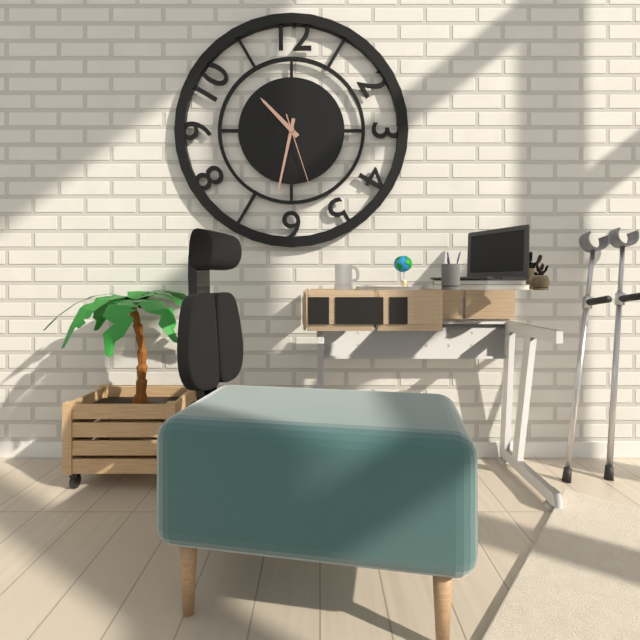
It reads h=10 m=32 s=27
